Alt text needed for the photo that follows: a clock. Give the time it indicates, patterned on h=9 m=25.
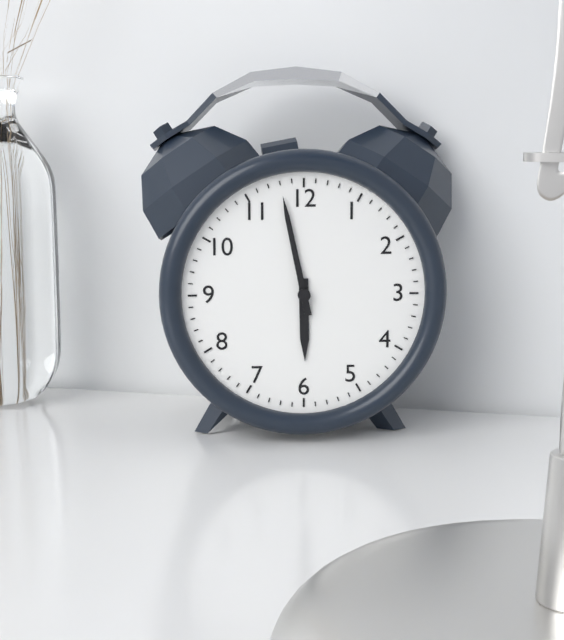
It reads h=5 m=58
